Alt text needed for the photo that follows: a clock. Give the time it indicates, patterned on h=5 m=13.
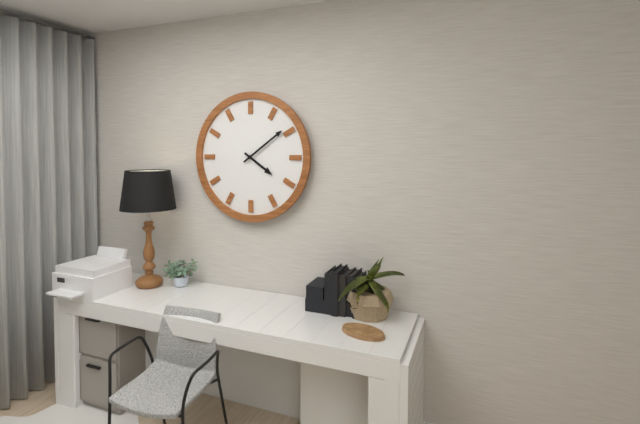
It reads h=4 m=9
